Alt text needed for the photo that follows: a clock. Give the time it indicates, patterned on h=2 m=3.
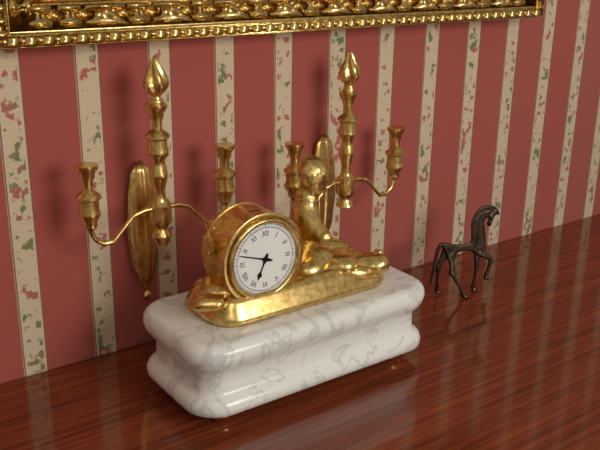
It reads h=6 m=48
